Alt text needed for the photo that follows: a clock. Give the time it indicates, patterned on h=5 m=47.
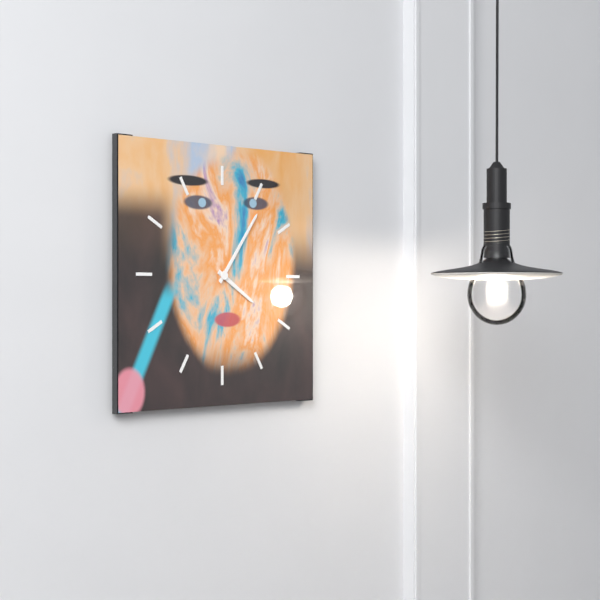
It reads h=4 m=6
